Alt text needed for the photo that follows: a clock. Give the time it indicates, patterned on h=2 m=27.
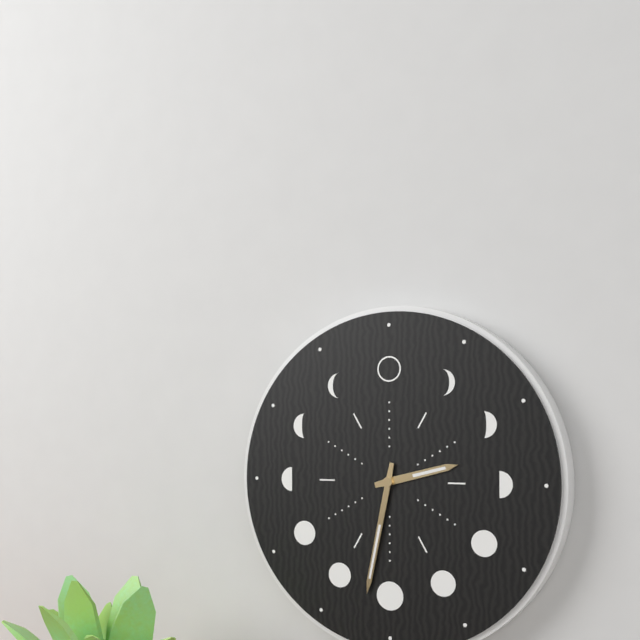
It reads h=2 m=32
